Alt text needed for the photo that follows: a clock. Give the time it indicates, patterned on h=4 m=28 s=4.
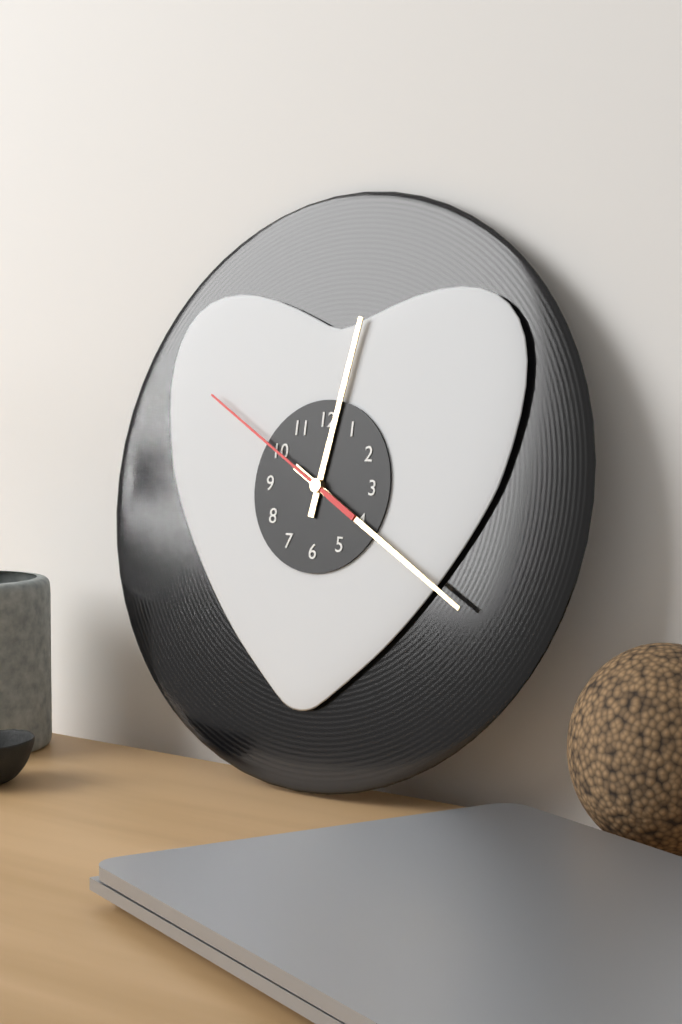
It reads h=12 m=20 s=50
